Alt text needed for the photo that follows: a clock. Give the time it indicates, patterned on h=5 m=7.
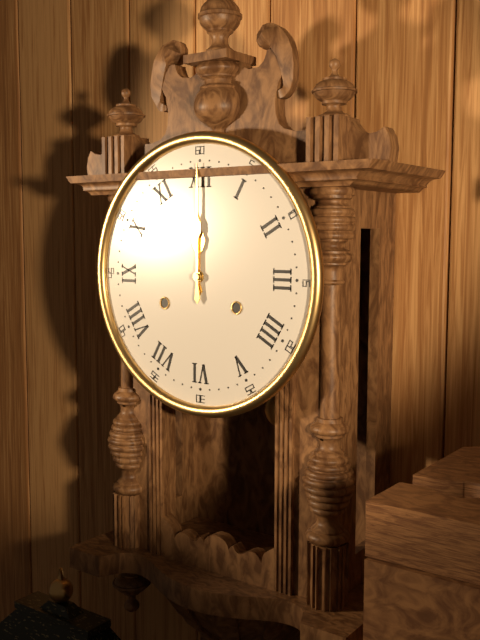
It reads h=12 m=0
